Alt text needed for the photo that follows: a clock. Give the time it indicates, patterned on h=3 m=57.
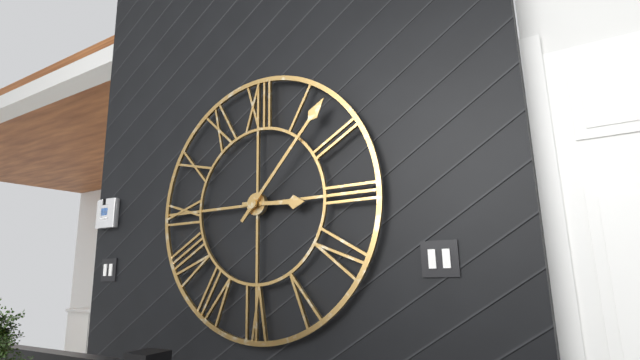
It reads h=3 m=7
